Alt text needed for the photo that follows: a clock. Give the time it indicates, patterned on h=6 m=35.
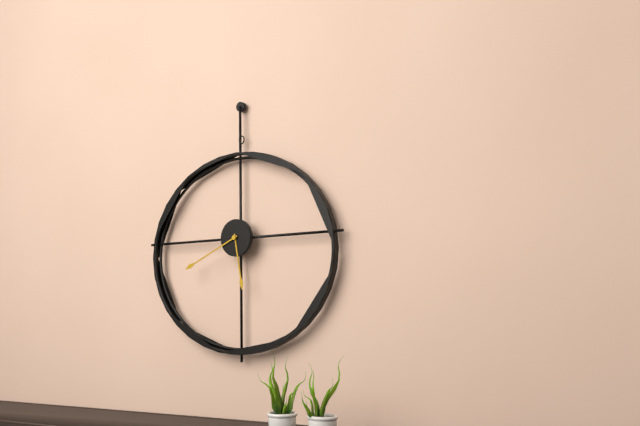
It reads h=5 m=41
